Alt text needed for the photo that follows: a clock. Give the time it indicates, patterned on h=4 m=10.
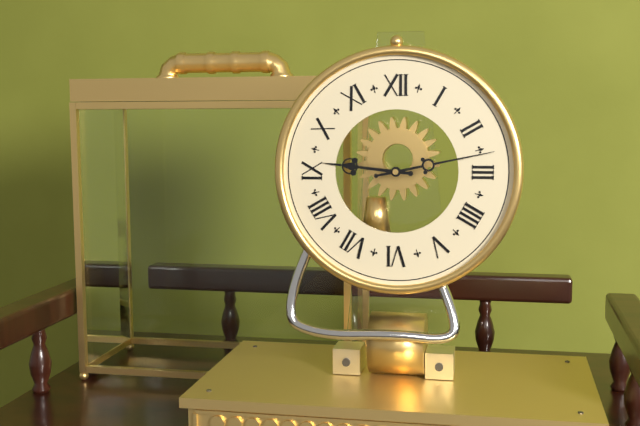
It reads h=9 m=13
